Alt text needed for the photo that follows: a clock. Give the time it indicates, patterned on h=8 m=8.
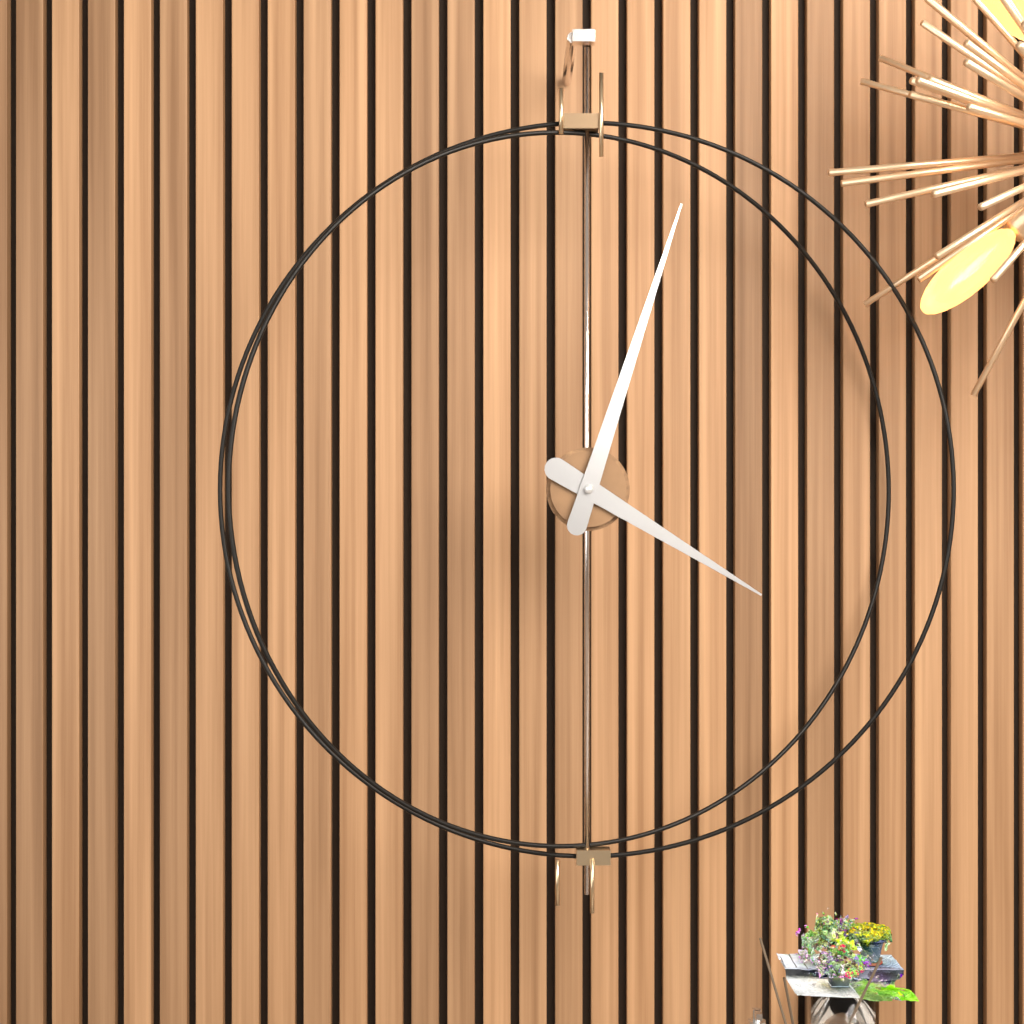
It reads h=4 m=3
